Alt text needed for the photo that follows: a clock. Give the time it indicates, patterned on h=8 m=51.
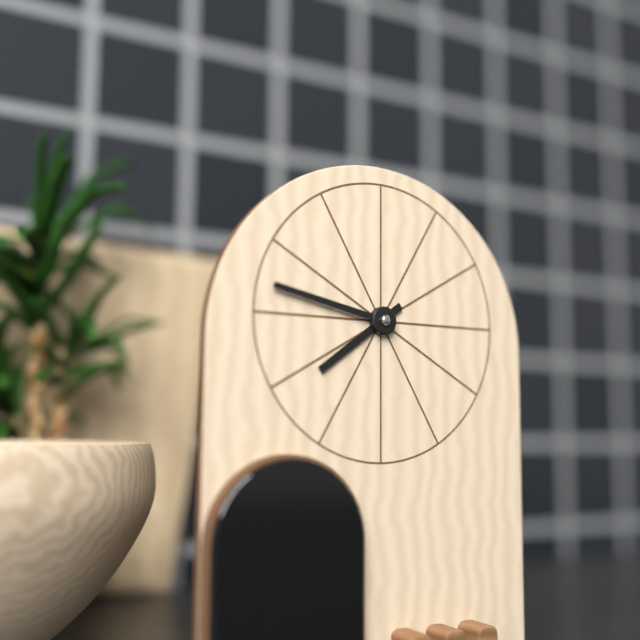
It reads h=7 m=47
